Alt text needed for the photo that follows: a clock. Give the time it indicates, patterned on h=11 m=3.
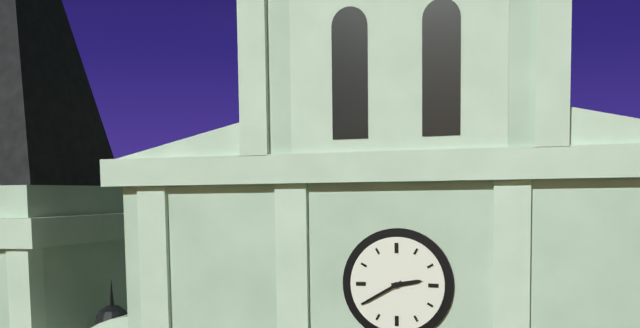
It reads h=2 m=40
